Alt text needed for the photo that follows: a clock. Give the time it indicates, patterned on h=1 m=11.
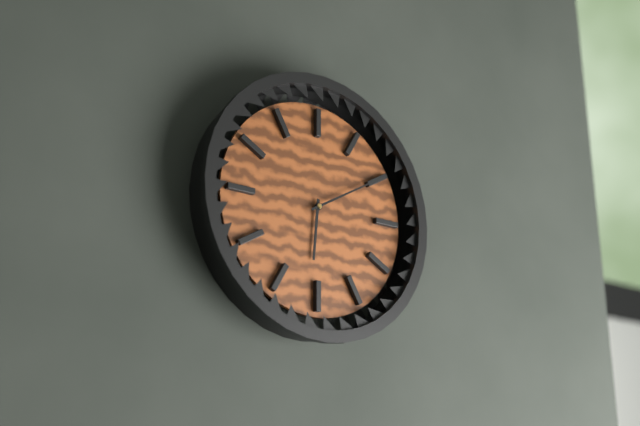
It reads h=6 m=10
